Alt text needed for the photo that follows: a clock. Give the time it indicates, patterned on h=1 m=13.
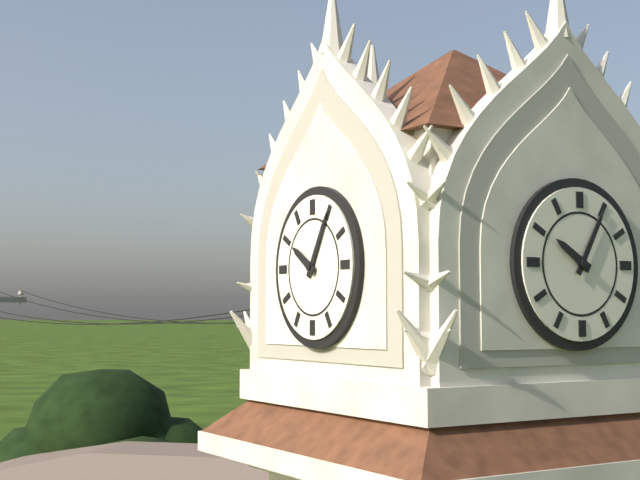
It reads h=10 m=5
